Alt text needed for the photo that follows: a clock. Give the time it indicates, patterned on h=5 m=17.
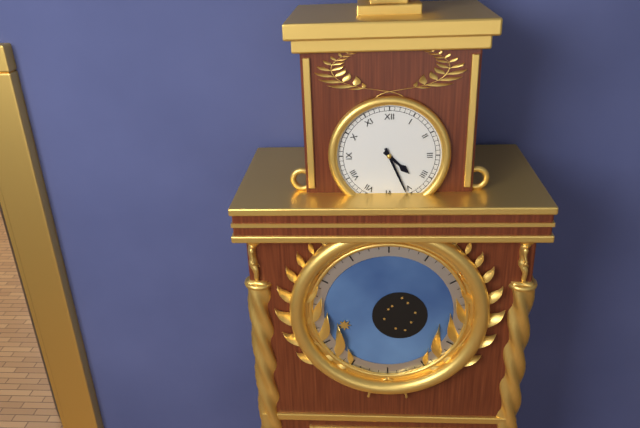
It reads h=4 m=26
